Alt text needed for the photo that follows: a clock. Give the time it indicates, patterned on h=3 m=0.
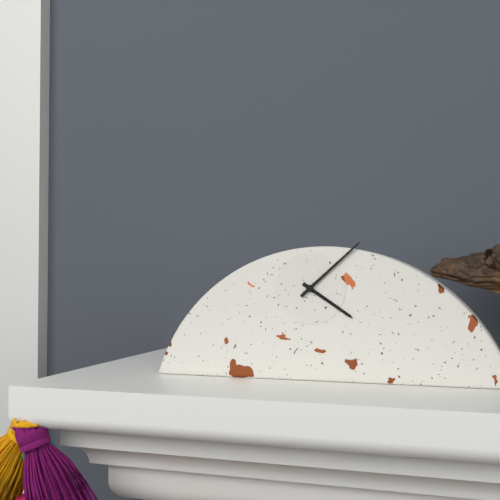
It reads h=4 m=8
